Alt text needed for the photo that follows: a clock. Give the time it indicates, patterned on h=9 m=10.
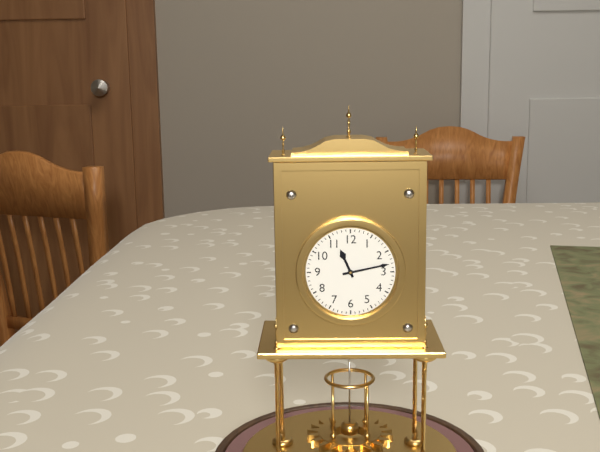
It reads h=11 m=13
